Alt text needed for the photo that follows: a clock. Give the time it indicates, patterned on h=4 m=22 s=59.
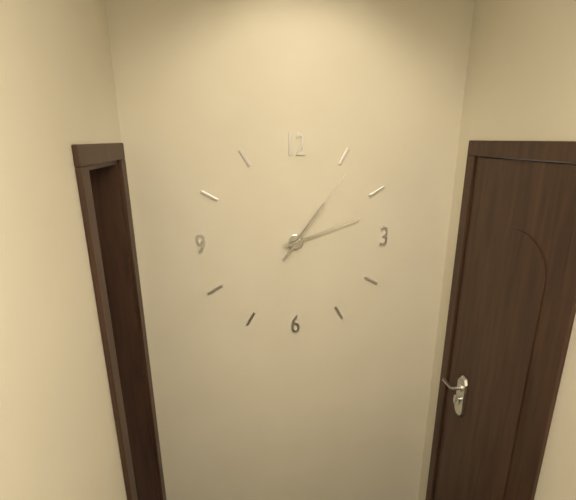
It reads h=1 m=12 s=6
